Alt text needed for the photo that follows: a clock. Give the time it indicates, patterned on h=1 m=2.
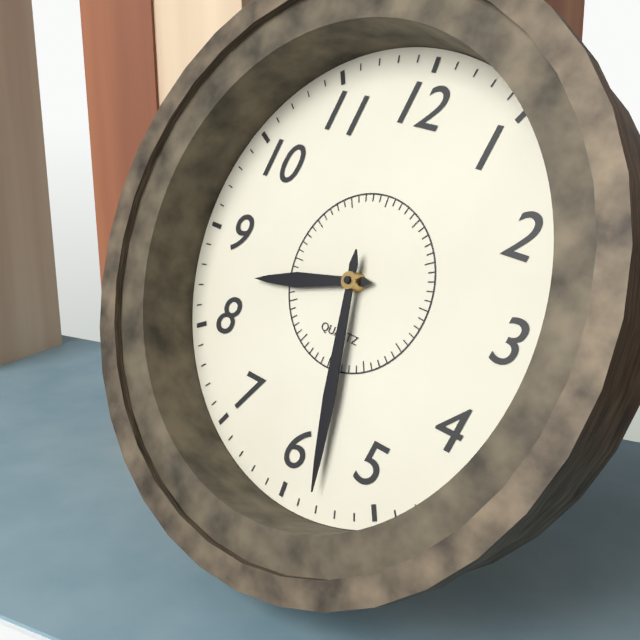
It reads h=8 m=28
